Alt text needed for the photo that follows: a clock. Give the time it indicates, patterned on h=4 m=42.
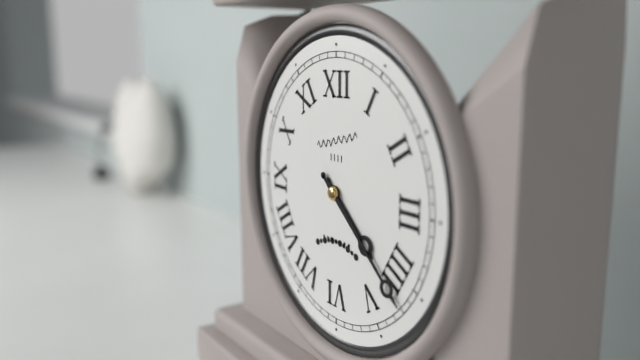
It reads h=4 m=22
